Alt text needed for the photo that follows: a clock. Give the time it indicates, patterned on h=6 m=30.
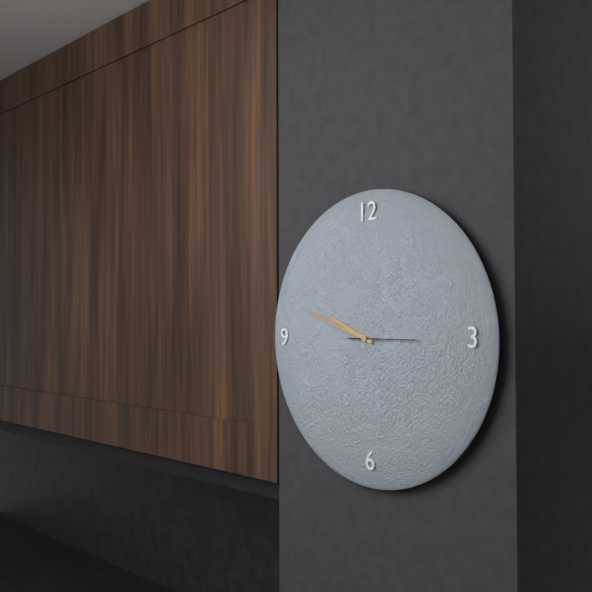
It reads h=9 m=48
